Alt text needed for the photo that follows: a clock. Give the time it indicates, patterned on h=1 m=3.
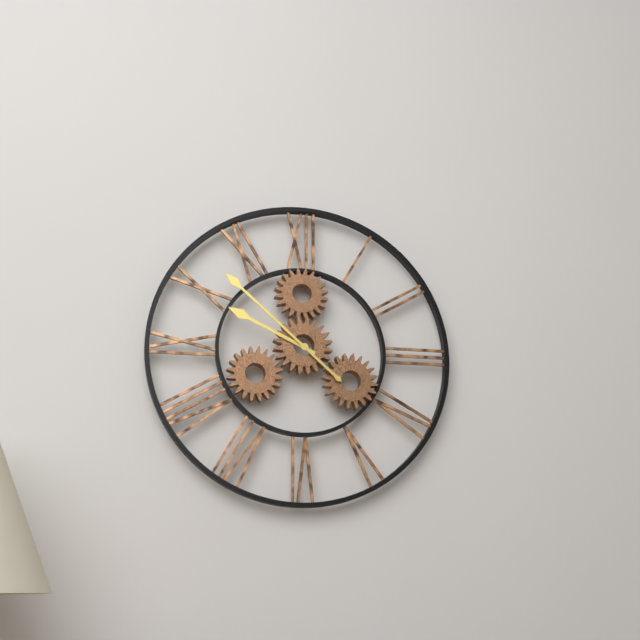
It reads h=9 m=52
